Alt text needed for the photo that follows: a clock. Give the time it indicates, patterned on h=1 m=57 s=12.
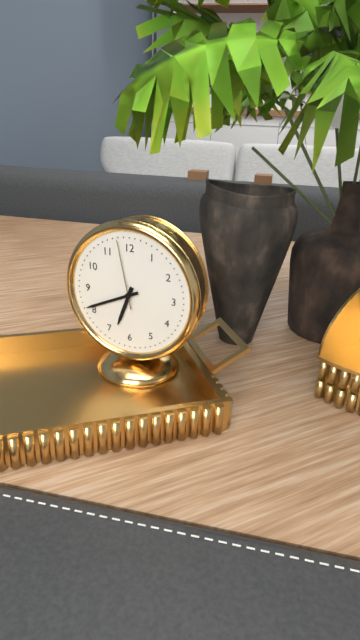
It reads h=6 m=41 s=58
